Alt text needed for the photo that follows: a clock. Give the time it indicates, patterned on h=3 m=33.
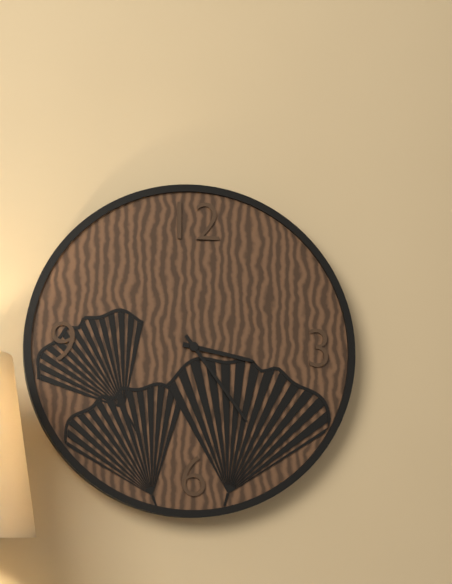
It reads h=3 m=24
